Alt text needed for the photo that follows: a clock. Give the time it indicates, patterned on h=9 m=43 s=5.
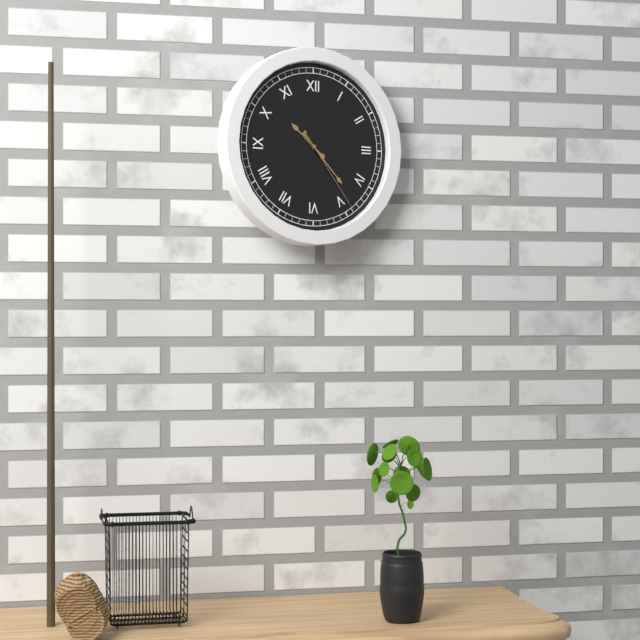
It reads h=10 m=23 s=24
